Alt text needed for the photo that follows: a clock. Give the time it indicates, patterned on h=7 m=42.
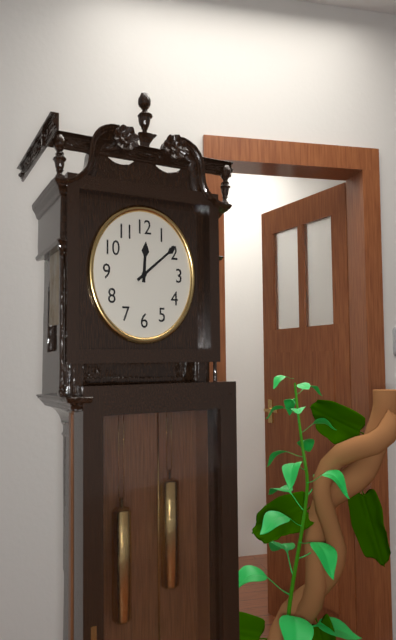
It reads h=12 m=9
